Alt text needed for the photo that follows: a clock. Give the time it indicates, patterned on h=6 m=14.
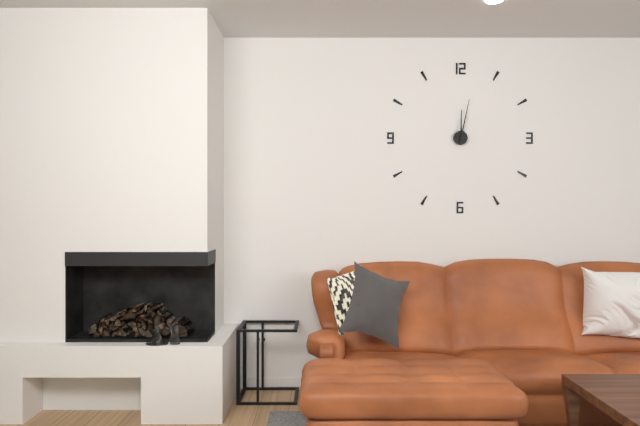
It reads h=12 m=2
